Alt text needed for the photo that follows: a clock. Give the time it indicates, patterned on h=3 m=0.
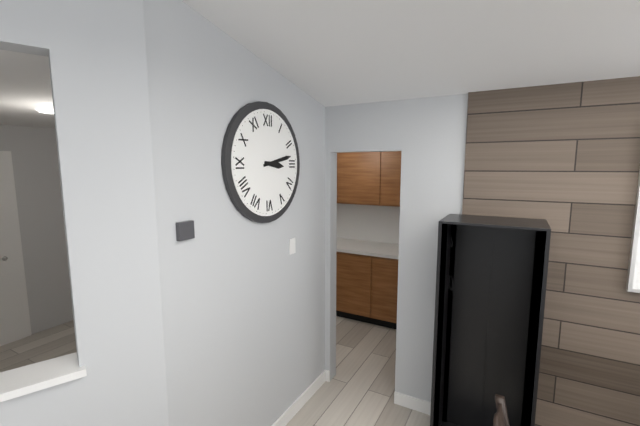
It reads h=3 m=13
